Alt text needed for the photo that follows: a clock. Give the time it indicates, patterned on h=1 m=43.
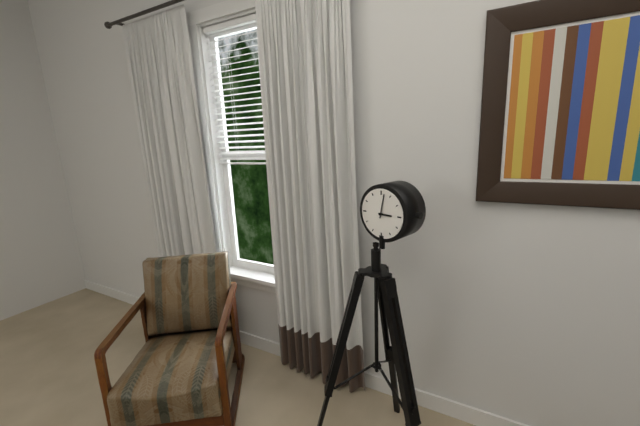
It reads h=3 m=2
